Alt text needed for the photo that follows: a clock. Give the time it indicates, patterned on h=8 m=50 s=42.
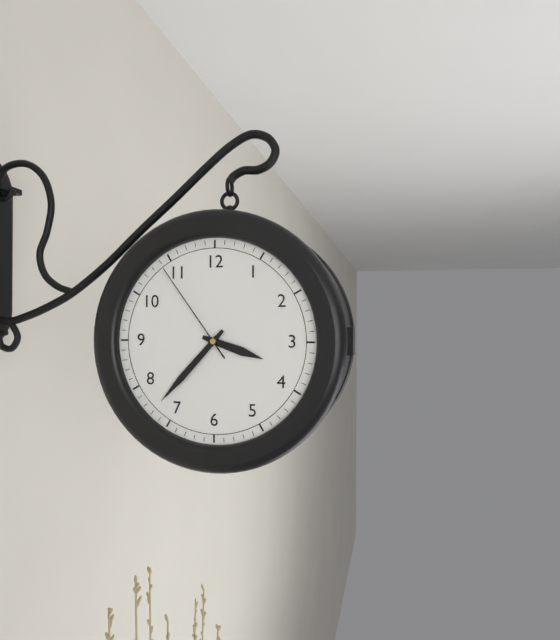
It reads h=3 m=37 s=54
